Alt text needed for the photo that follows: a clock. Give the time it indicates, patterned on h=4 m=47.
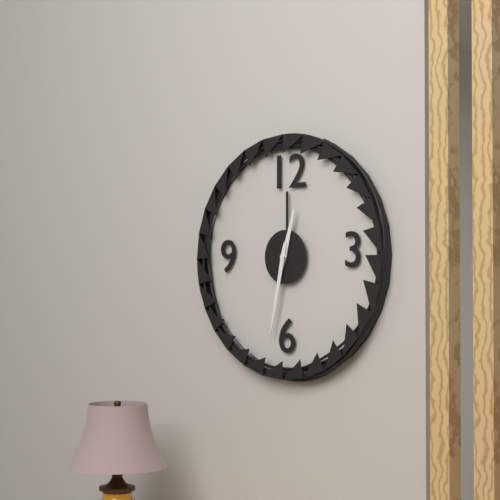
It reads h=12 m=32
